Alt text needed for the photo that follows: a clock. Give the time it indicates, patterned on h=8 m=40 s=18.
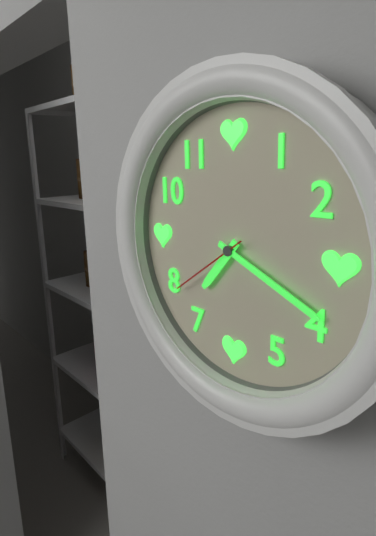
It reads h=7 m=19 s=39
